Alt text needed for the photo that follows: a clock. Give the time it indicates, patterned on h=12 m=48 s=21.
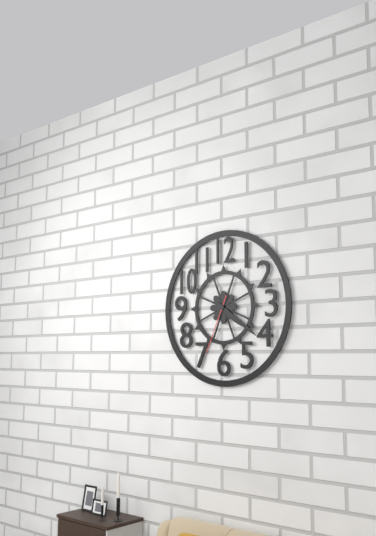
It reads h=4 m=21 s=34
